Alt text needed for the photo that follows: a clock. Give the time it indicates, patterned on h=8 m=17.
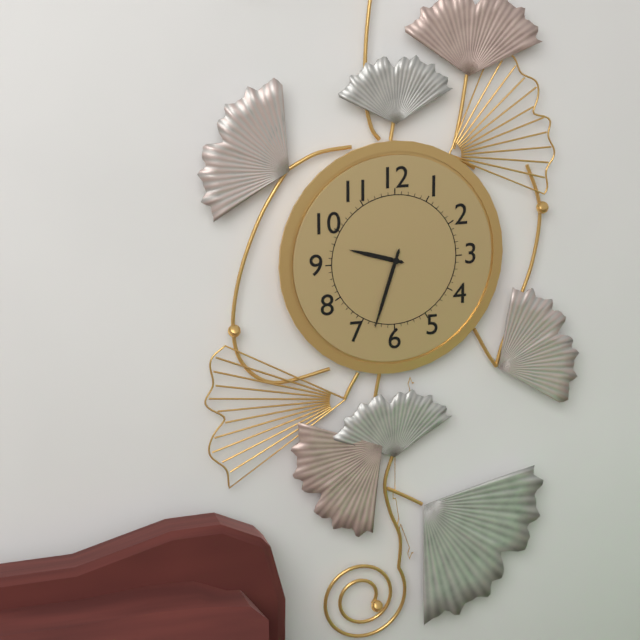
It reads h=9 m=33
